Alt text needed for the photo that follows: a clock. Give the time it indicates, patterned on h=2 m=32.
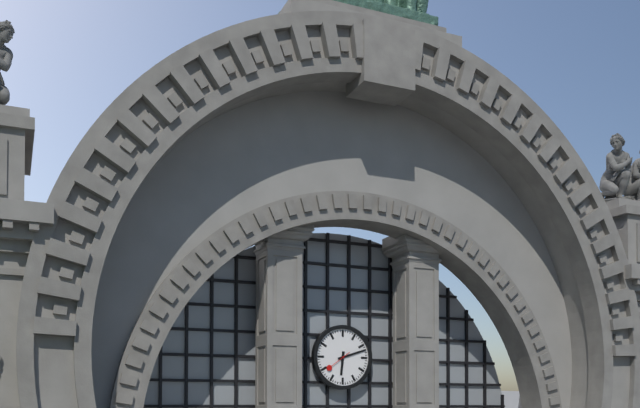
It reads h=6 m=12
